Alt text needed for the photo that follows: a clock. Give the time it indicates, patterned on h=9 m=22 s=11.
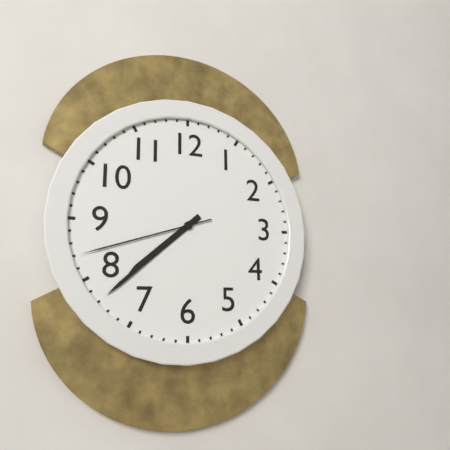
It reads h=7 m=38 s=42
